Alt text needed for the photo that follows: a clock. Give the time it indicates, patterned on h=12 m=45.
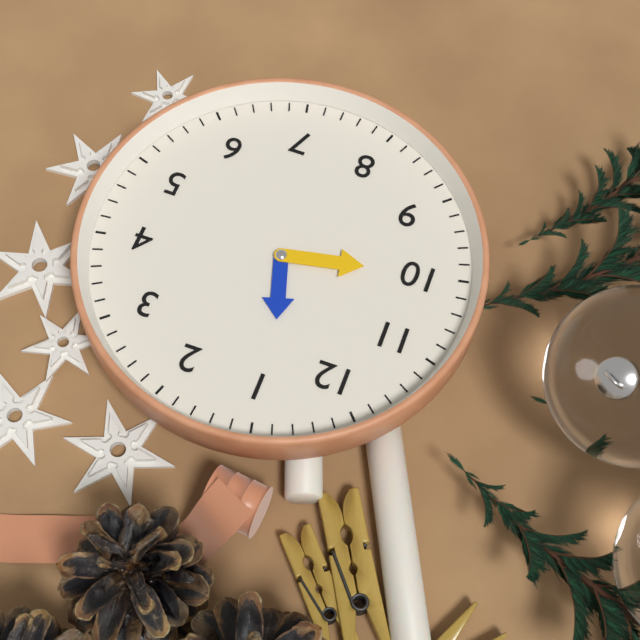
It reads h=12 m=50
